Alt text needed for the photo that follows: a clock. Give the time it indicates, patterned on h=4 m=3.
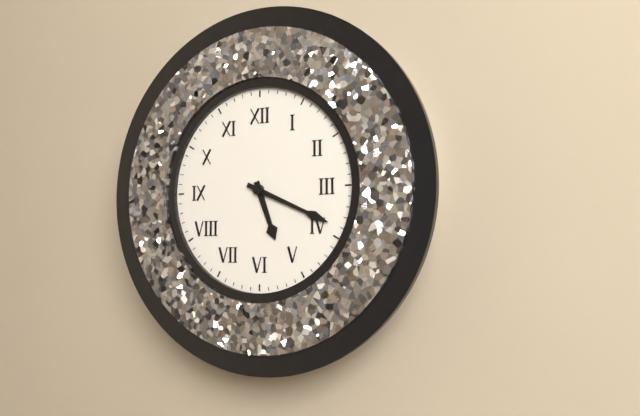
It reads h=5 m=19
